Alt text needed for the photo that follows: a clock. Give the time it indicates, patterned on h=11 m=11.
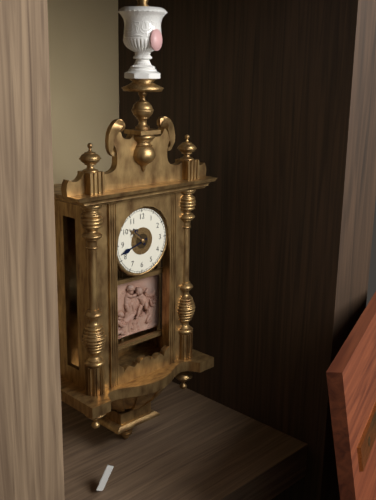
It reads h=10 m=42
